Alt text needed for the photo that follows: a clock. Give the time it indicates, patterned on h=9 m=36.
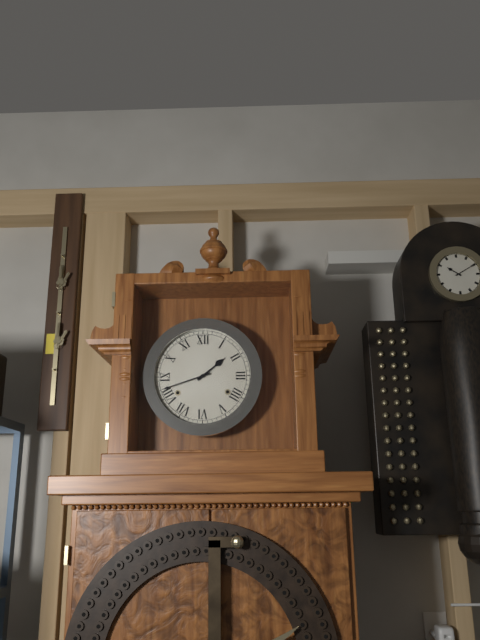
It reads h=1 m=42
